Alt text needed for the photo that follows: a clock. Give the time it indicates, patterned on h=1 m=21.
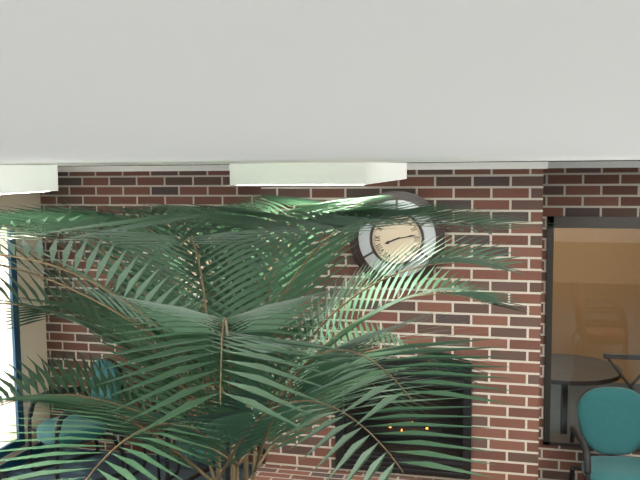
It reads h=8 m=13
